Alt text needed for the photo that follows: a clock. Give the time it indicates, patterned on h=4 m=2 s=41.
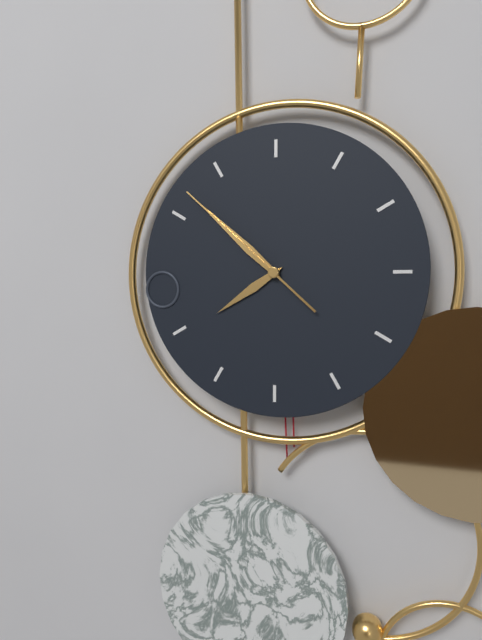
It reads h=7 m=52 s=52
